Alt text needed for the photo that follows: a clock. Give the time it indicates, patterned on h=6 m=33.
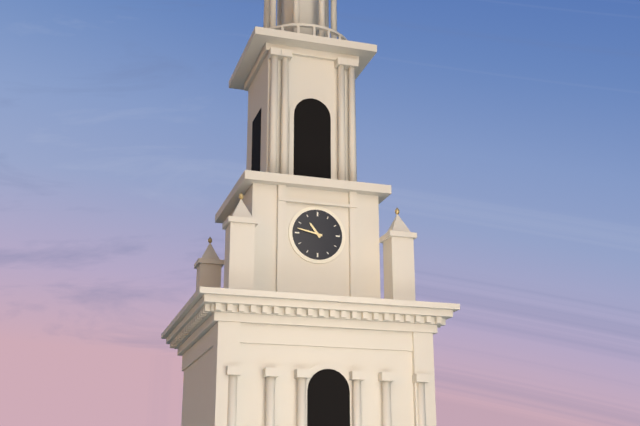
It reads h=10 m=47
